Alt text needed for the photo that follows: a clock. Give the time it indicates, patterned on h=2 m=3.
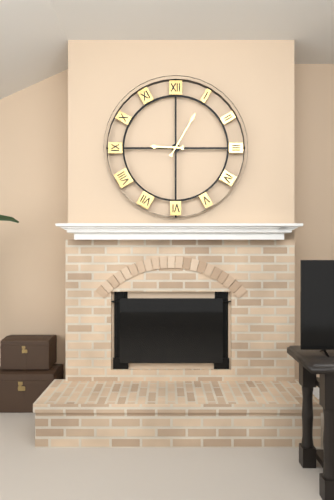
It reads h=9 m=5
